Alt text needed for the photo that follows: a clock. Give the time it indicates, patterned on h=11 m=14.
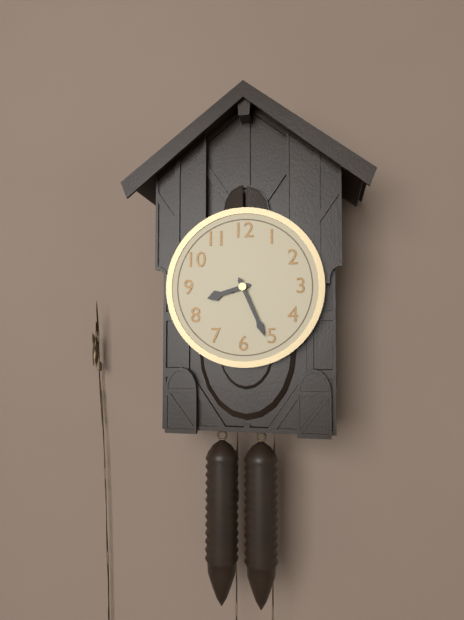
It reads h=8 m=26
